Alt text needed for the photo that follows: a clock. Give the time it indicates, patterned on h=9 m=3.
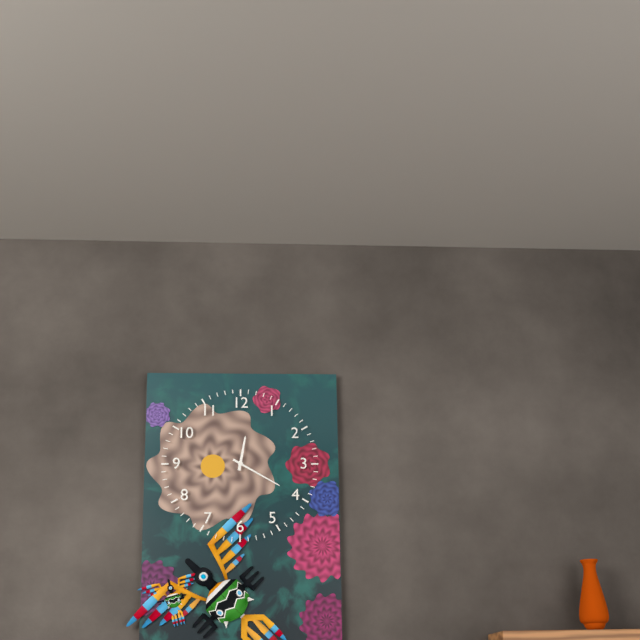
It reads h=12 m=20
